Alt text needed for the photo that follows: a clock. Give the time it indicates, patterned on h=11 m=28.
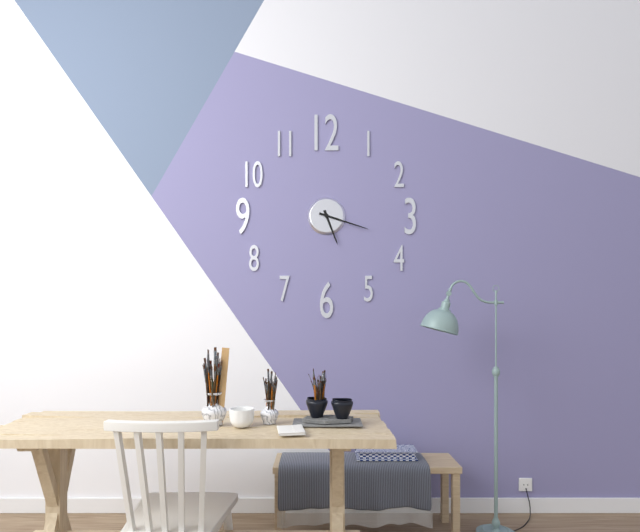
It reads h=5 m=18
